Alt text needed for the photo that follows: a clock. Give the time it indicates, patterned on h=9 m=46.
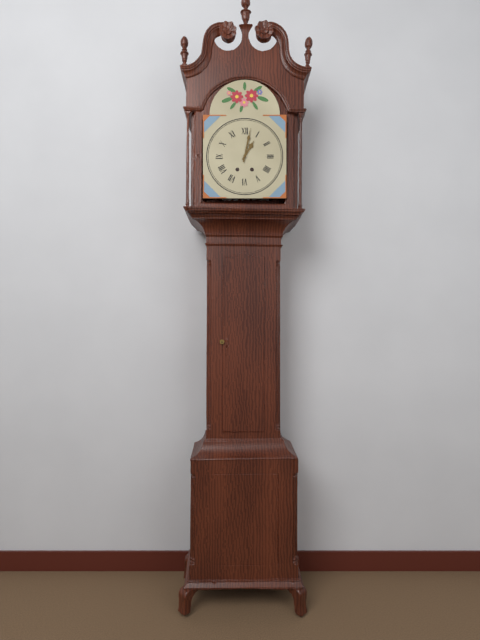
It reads h=1 m=2
